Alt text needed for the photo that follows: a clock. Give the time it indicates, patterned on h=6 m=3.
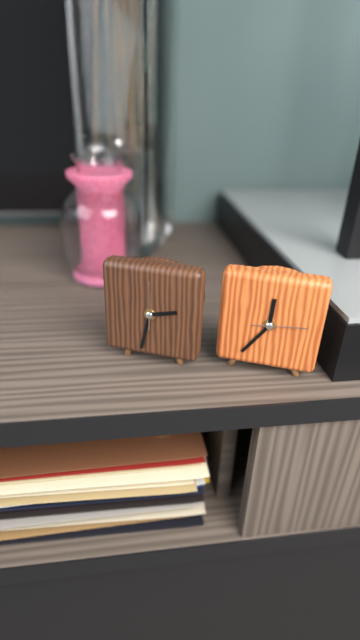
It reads h=2 m=32
